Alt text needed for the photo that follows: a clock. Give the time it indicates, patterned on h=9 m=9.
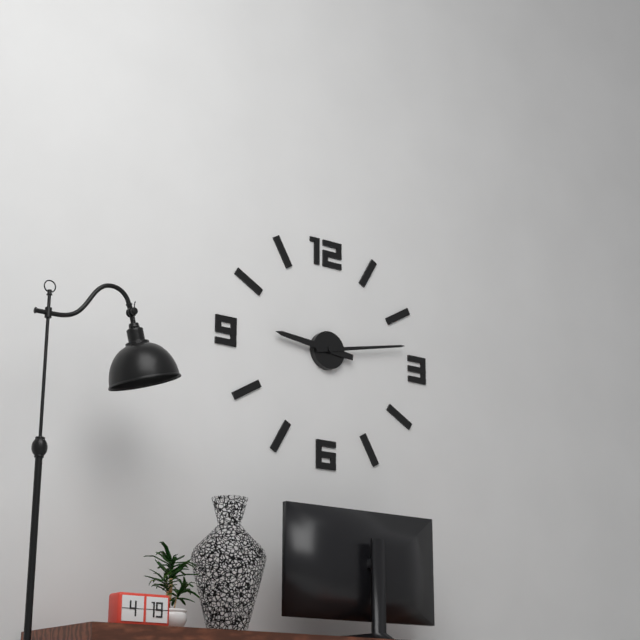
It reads h=9 m=13
